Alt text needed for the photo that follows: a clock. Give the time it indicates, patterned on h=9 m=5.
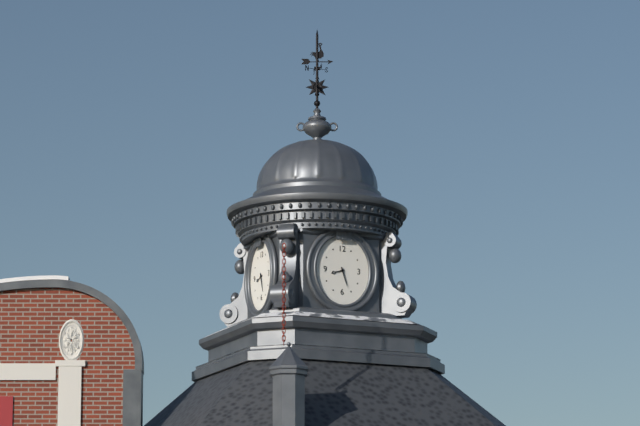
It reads h=8 m=27
